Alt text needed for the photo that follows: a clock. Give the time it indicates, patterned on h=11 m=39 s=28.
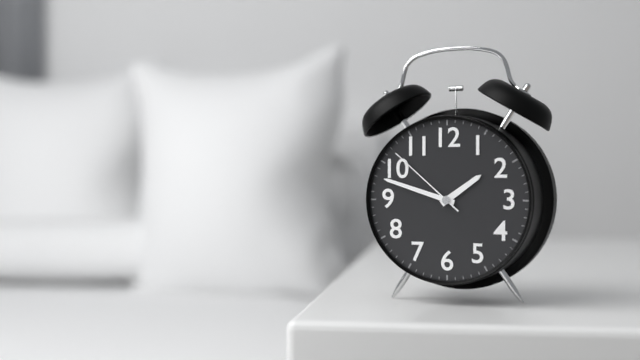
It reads h=1 m=48 s=52
